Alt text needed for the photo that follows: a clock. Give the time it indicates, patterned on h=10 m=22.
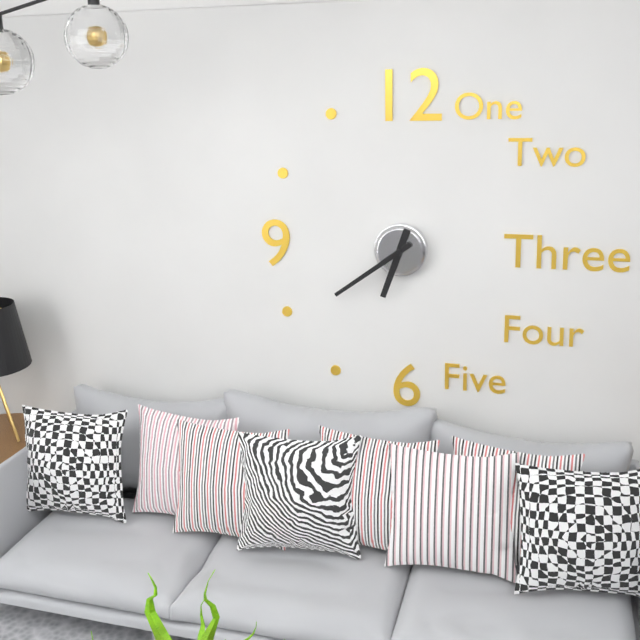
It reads h=6 m=39
